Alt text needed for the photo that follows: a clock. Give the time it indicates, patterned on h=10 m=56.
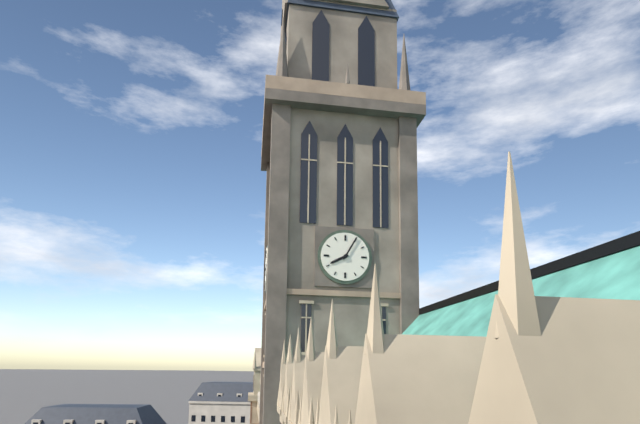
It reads h=8 m=5
